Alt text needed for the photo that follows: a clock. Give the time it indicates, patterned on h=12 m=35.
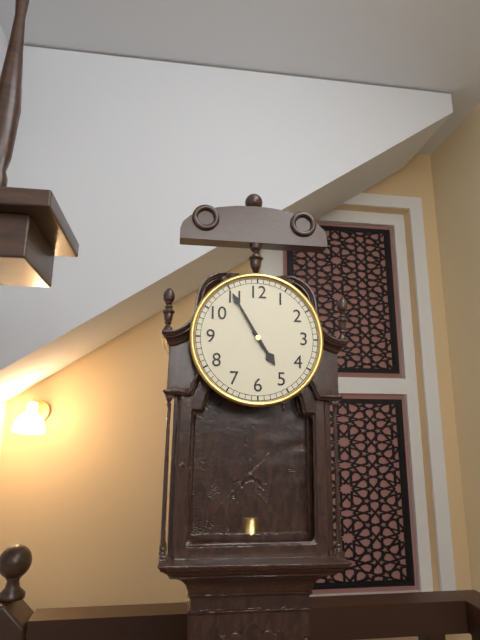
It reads h=4 m=55
